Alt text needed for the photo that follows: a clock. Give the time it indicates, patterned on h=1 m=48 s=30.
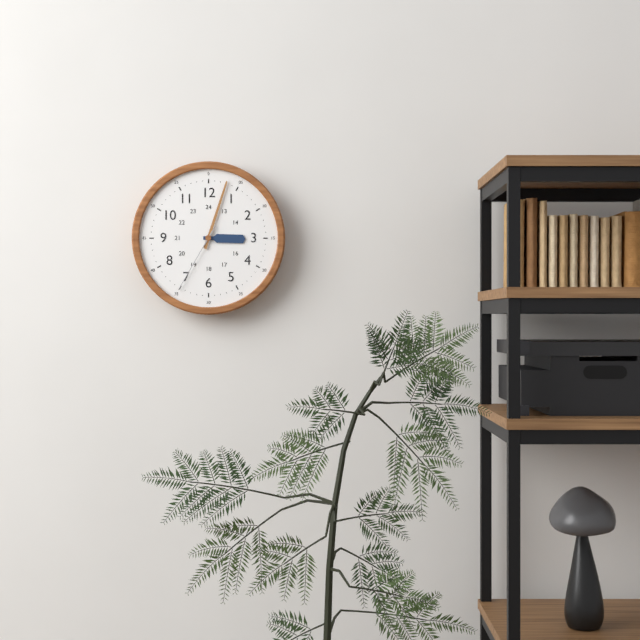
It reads h=3 m=3 s=35
